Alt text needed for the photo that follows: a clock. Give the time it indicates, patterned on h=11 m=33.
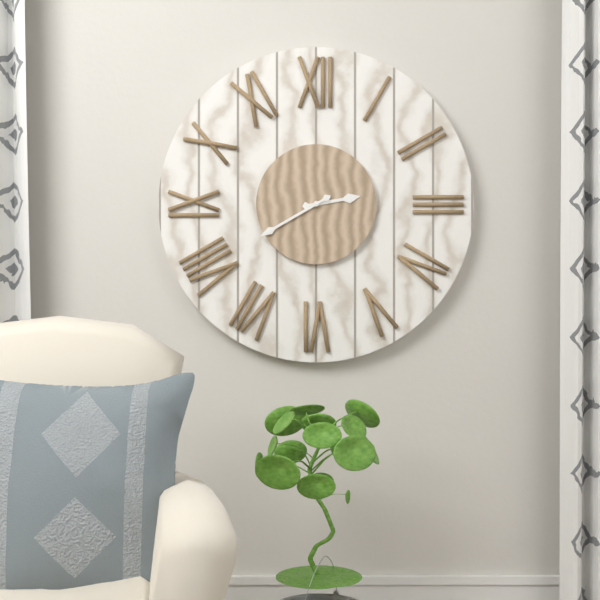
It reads h=2 m=40
